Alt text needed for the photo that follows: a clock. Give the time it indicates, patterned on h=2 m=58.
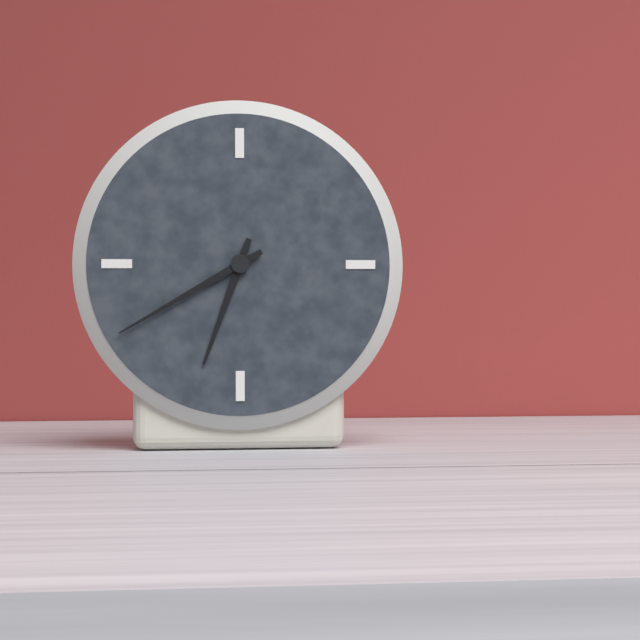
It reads h=6 m=40
